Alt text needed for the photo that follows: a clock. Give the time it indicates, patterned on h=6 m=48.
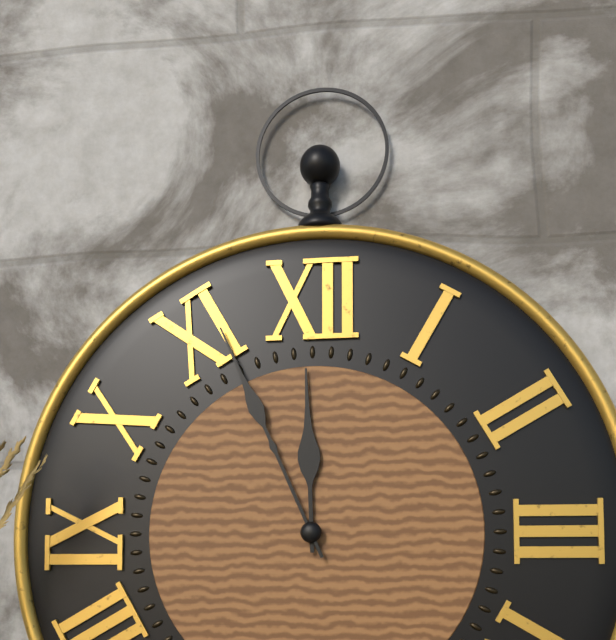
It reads h=11 m=56
